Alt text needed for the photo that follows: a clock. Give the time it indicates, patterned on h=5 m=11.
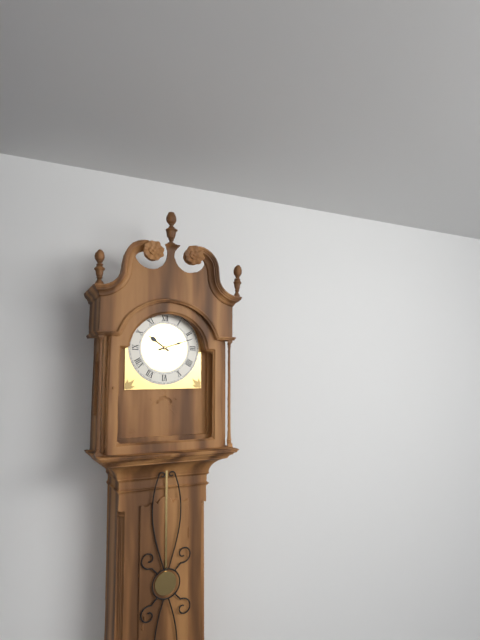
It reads h=10 m=12
